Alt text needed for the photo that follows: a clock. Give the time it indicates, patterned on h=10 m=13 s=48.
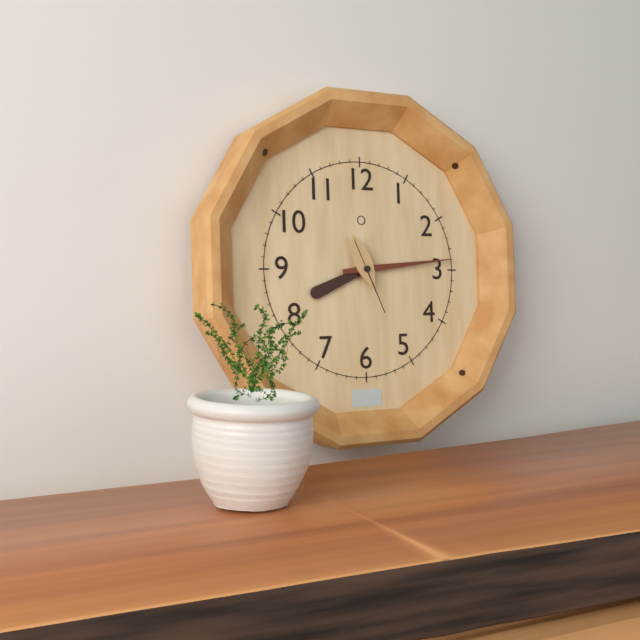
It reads h=8 m=14 s=26
